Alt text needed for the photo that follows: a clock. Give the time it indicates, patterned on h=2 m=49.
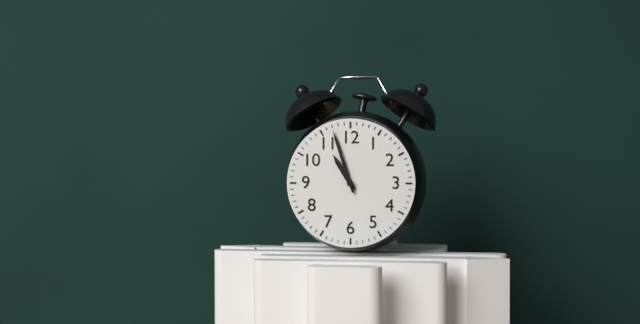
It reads h=10 m=57
